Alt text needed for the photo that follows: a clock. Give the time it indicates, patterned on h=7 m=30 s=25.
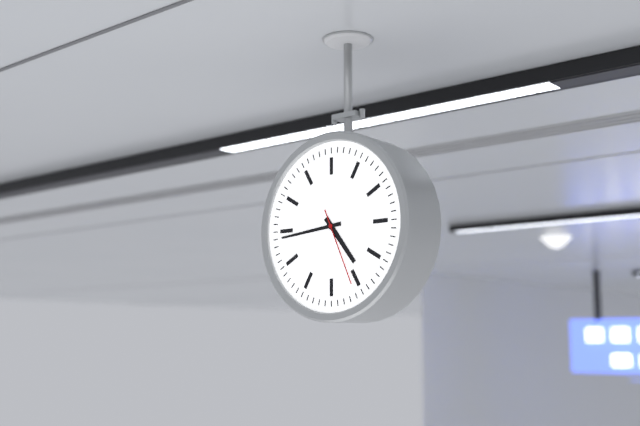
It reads h=4 m=44 s=26
